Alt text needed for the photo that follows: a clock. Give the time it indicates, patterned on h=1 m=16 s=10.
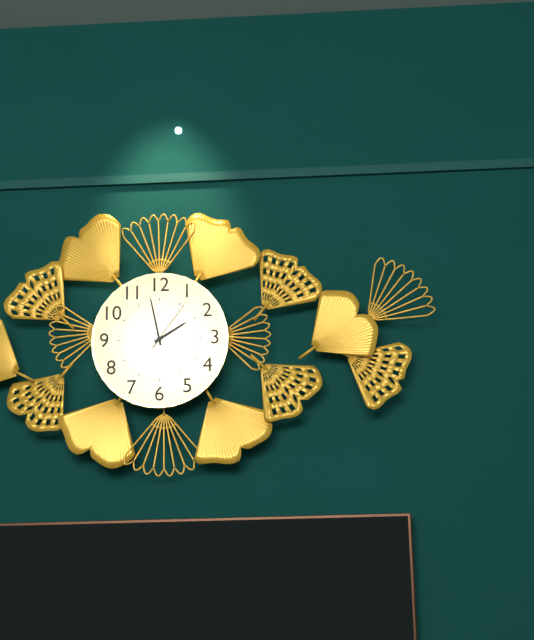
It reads h=1 m=58 s=6
